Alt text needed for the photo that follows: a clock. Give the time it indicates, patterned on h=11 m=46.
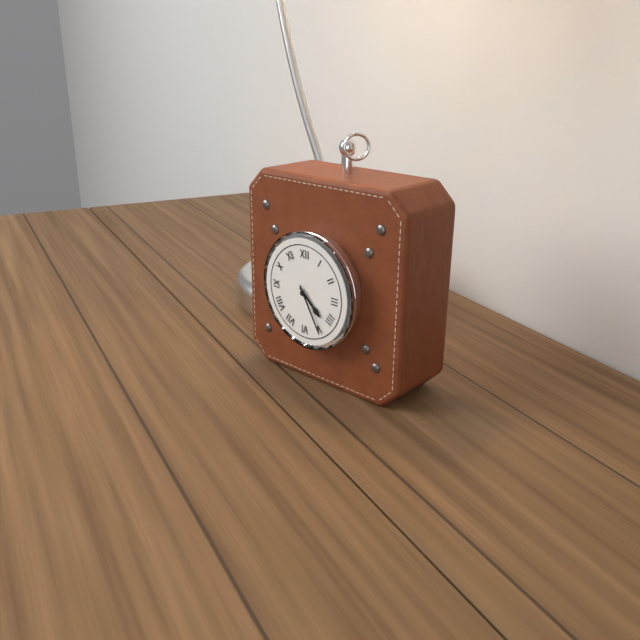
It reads h=4 m=25
